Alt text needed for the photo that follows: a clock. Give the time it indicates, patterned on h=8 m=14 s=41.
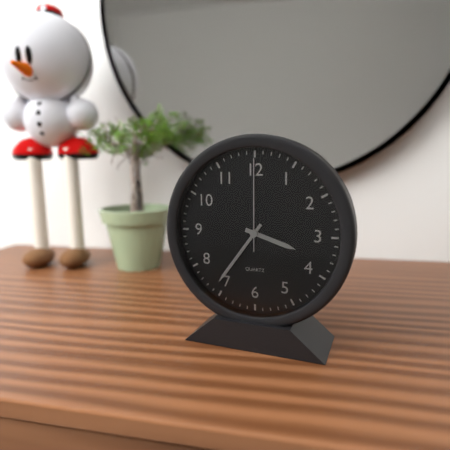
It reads h=3 m=36 s=0
